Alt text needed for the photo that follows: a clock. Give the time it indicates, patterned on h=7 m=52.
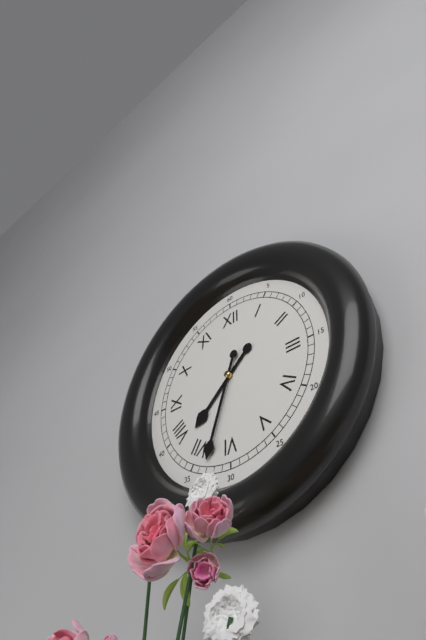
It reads h=7 m=33
